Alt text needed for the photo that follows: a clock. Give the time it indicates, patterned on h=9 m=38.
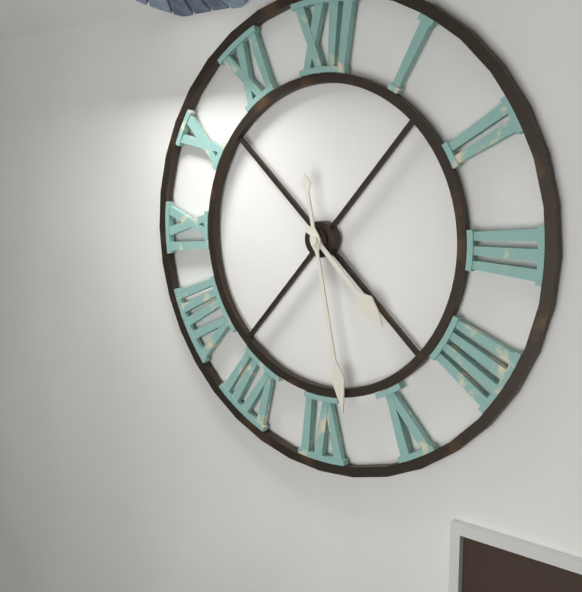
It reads h=4 m=28
